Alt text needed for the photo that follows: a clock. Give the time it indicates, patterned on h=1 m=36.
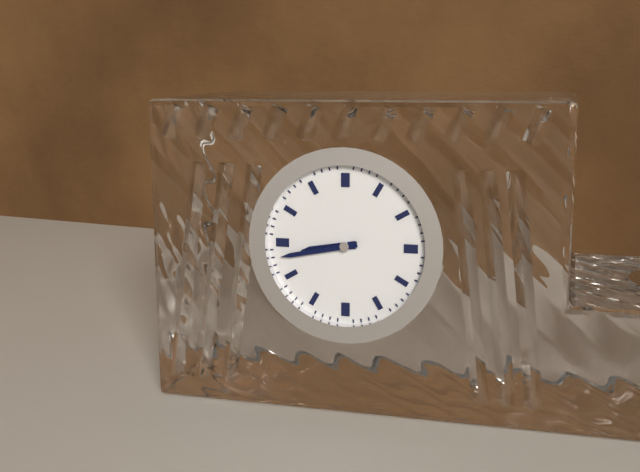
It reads h=8 m=43
